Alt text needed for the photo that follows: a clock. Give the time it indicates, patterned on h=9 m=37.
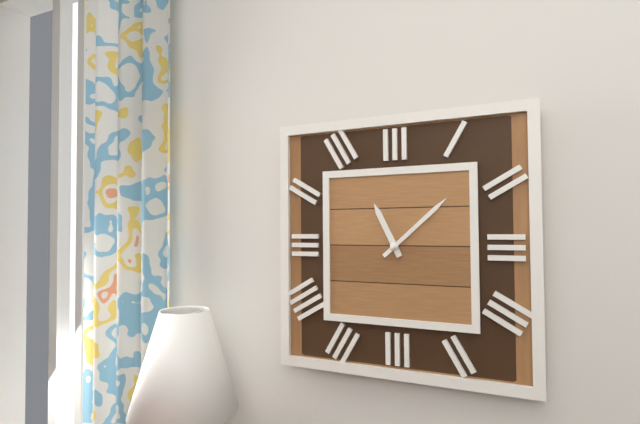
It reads h=11 m=8
